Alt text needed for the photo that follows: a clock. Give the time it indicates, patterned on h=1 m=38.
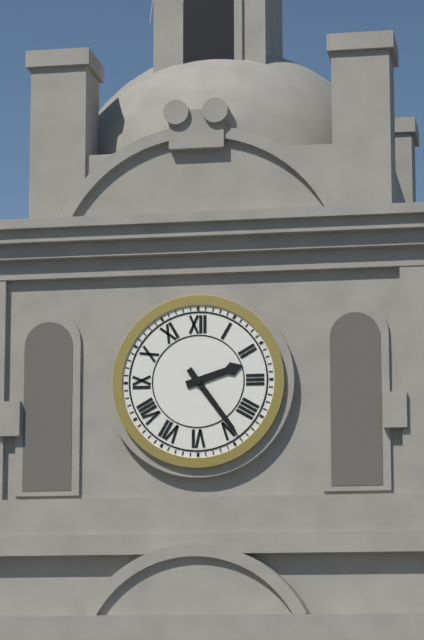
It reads h=2 m=24
